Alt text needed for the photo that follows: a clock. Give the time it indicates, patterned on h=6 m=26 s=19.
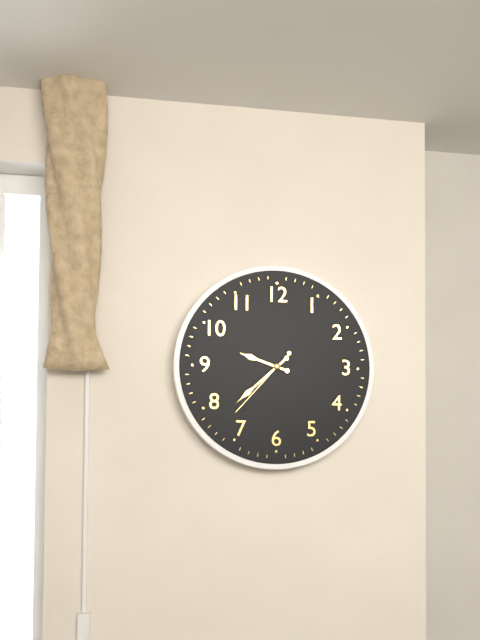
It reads h=9 m=38 s=37
